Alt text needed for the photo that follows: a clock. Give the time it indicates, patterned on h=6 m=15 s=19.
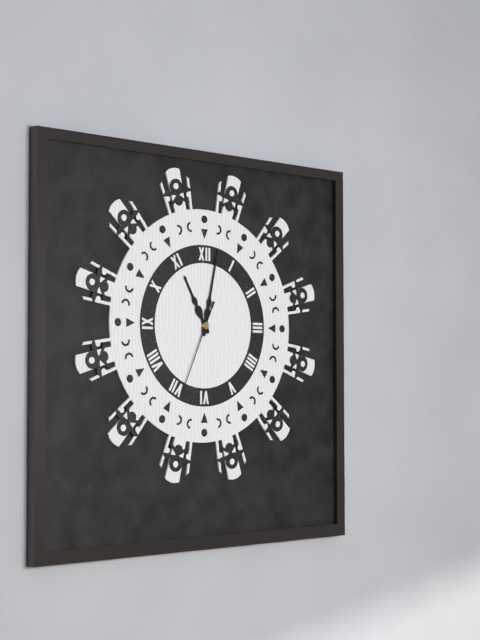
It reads h=11 m=2 s=34
